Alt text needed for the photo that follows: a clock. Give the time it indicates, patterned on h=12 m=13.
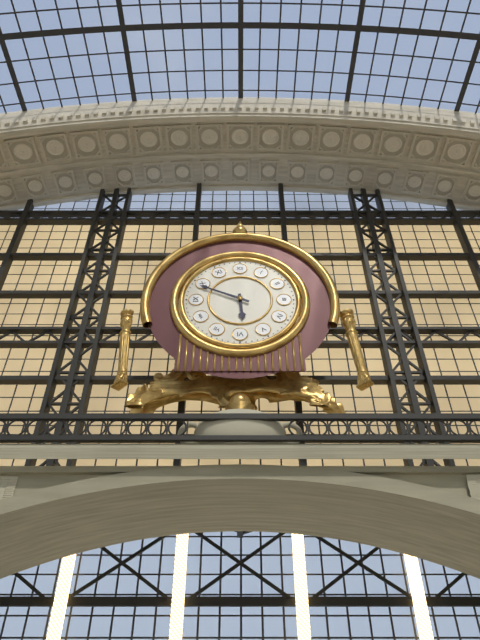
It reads h=5 m=49
